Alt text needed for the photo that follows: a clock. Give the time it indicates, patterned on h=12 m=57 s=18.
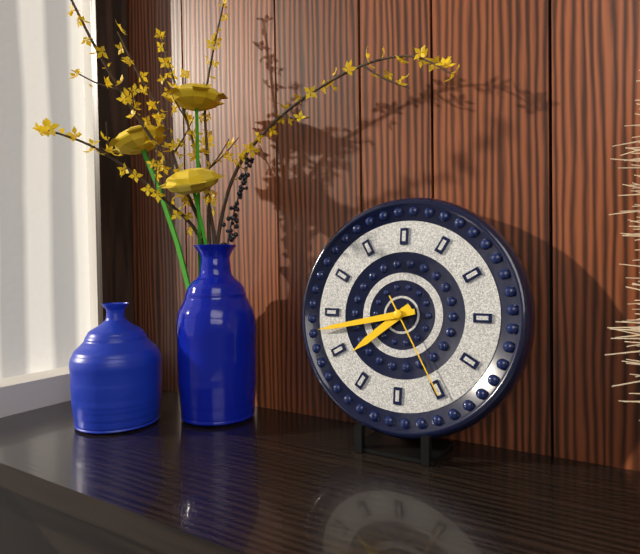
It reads h=7 m=43 s=25
